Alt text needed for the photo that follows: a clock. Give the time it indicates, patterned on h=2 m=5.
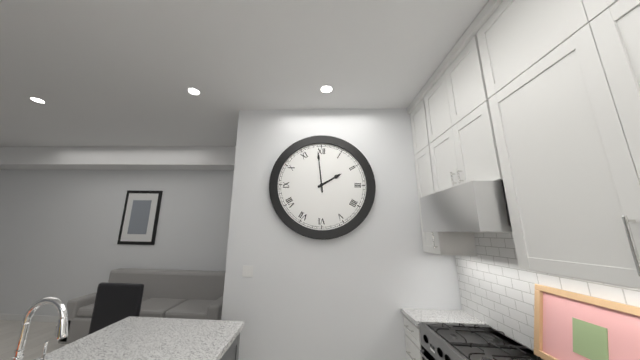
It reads h=1 m=59
